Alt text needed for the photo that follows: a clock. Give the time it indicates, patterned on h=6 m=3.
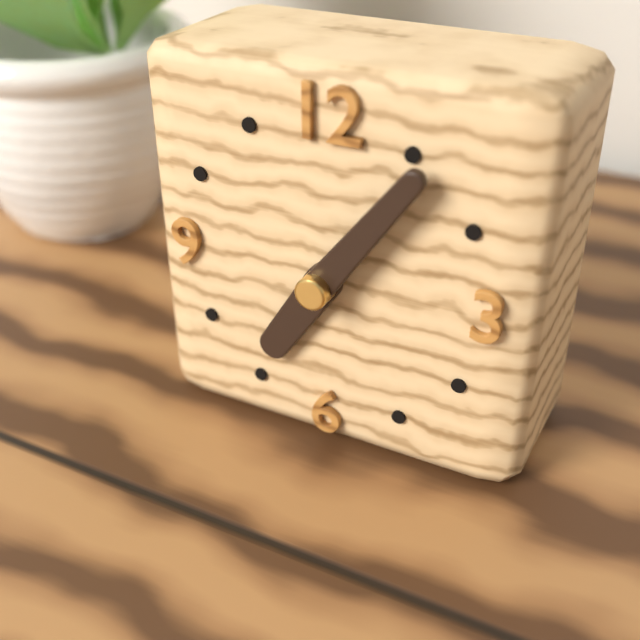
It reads h=7 m=6
